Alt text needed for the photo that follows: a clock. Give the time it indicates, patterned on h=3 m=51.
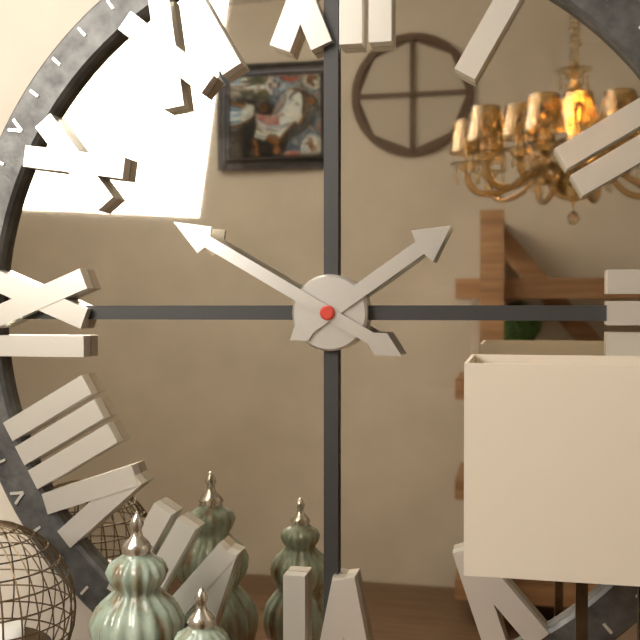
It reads h=1 m=50
